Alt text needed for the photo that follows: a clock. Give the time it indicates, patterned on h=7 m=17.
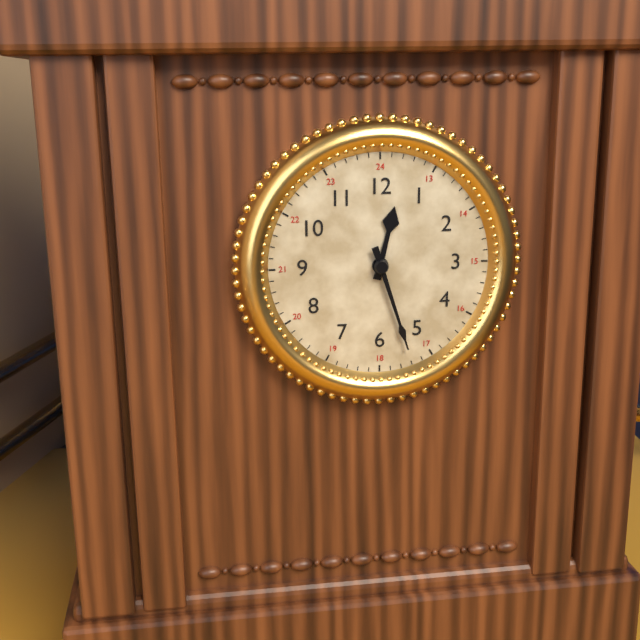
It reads h=12 m=27
